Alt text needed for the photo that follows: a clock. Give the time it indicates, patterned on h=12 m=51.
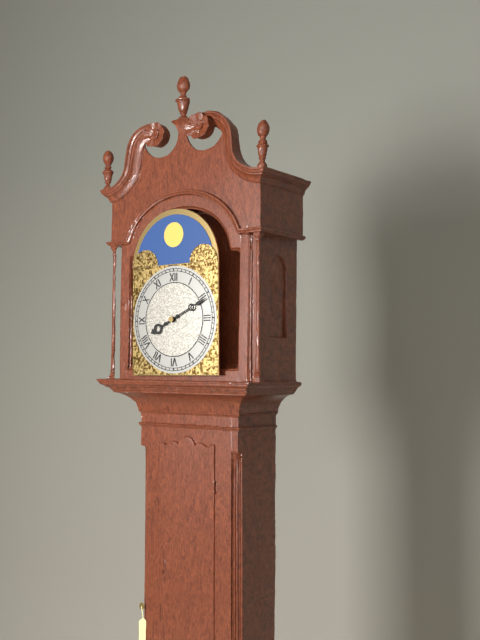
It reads h=8 m=11
